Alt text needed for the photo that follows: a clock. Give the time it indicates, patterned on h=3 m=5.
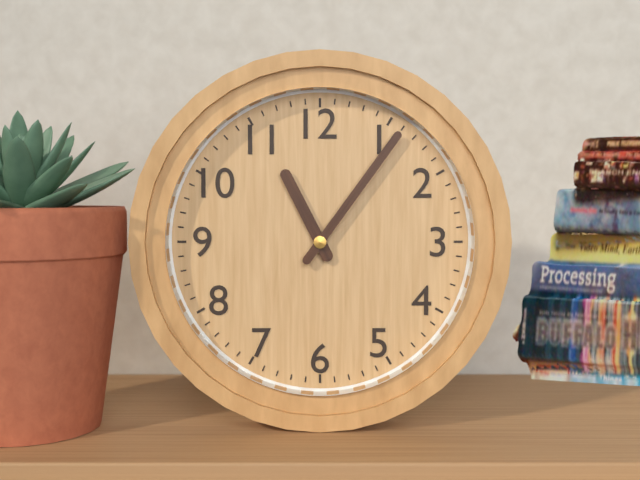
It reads h=11 m=6
